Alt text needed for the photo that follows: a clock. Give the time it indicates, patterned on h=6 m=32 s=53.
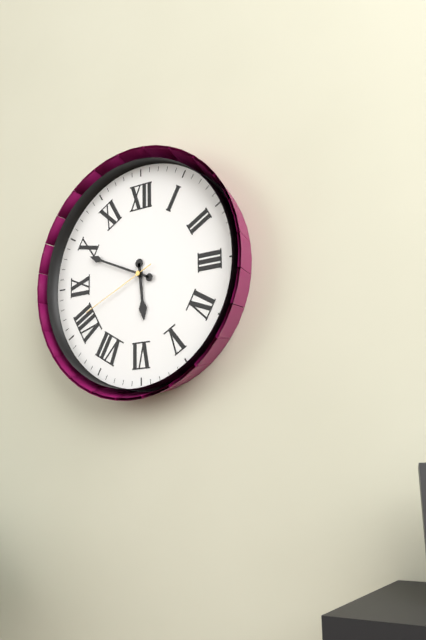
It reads h=5 m=49 s=41
